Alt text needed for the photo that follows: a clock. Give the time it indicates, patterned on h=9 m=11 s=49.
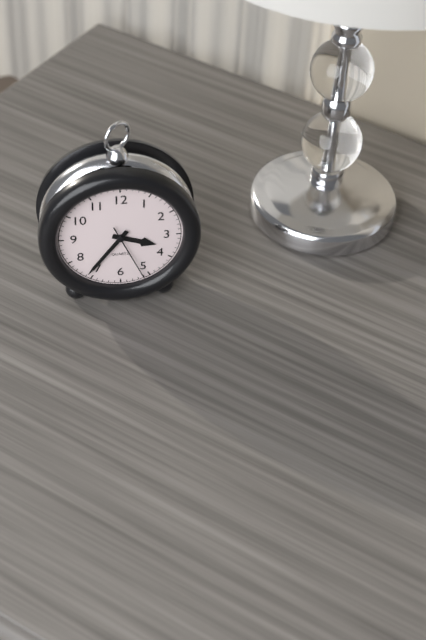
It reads h=3 m=36 s=26
